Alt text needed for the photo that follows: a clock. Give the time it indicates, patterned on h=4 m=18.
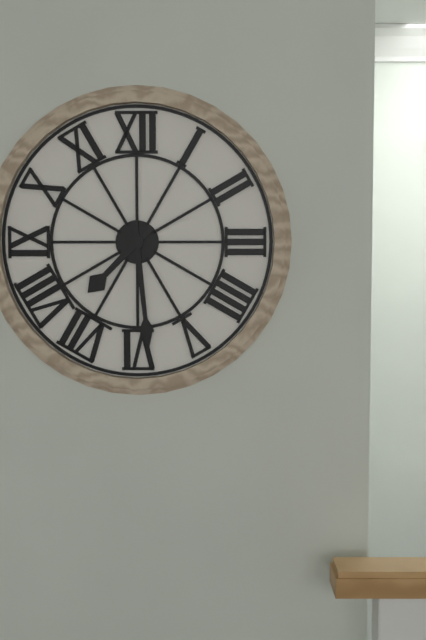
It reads h=7 m=29
